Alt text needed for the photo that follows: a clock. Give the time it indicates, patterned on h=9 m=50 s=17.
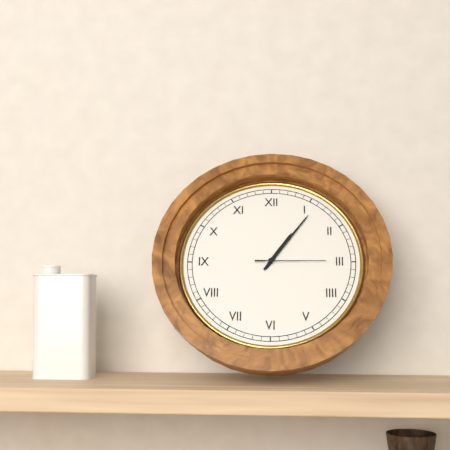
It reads h=1 m=6 s=15
